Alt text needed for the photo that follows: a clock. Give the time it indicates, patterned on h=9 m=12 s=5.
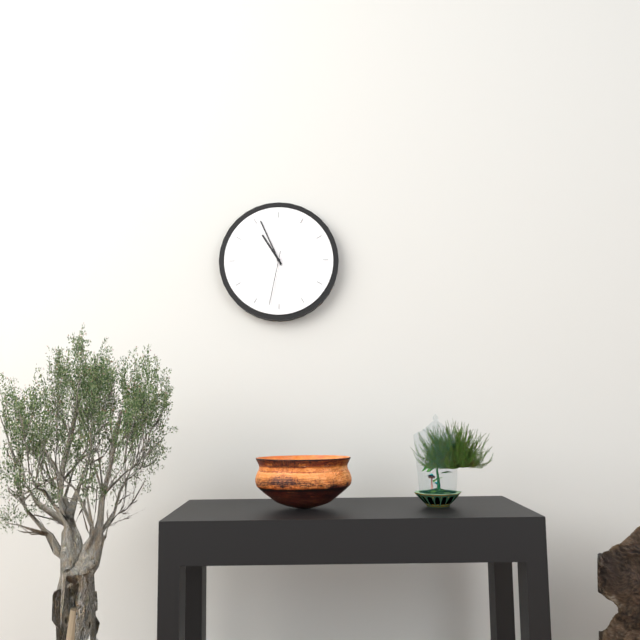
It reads h=10 m=56 s=32
